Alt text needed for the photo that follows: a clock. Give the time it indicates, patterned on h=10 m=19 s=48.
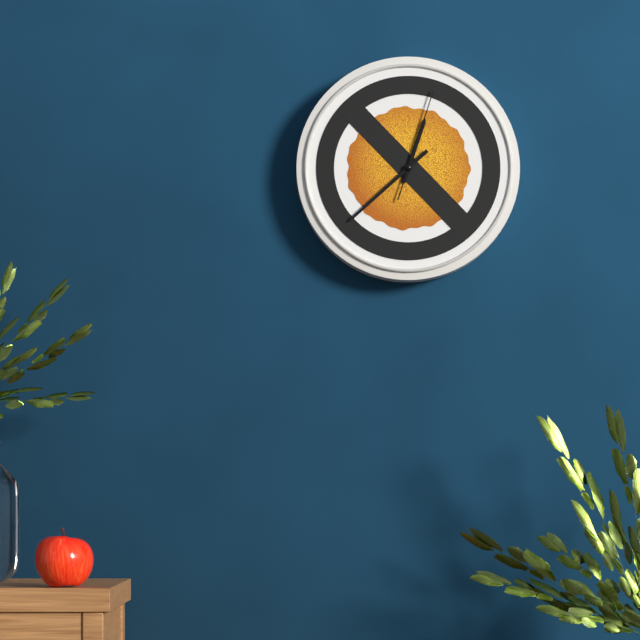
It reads h=12 m=38 s=3
